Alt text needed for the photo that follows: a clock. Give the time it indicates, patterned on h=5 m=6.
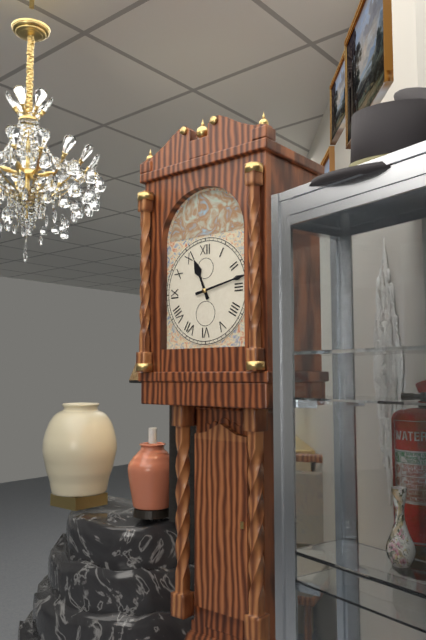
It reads h=11 m=13
